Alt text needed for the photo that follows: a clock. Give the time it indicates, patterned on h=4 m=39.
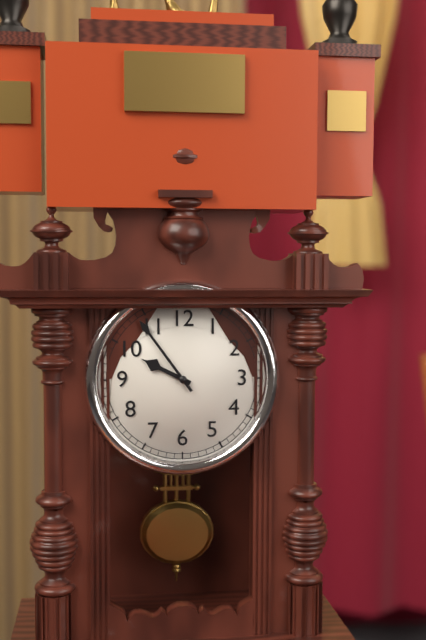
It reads h=9 m=54
